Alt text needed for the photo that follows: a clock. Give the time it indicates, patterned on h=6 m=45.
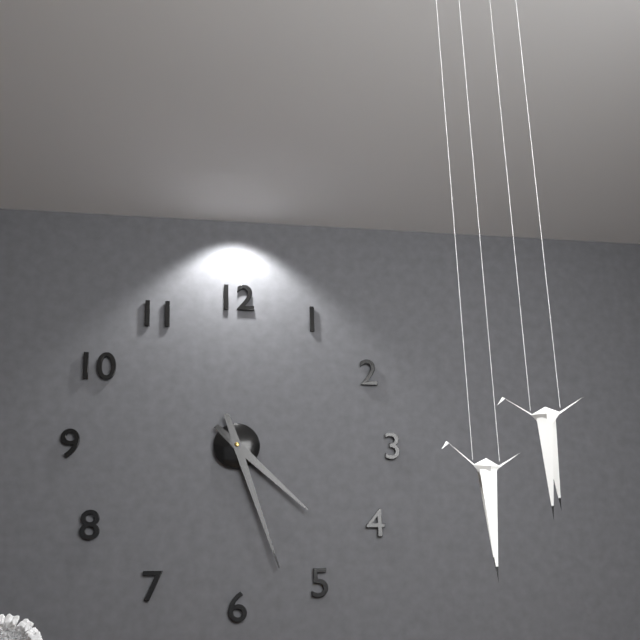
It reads h=4 m=27
